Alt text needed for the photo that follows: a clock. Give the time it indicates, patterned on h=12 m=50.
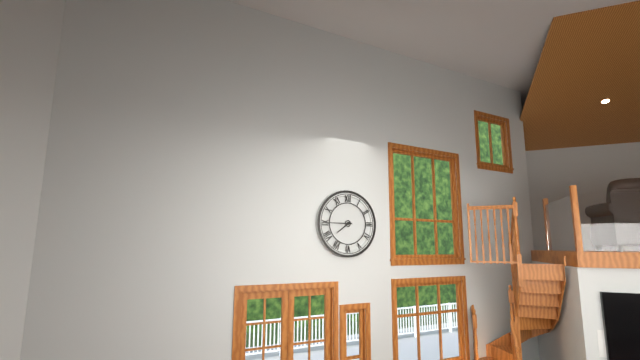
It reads h=7 m=45
